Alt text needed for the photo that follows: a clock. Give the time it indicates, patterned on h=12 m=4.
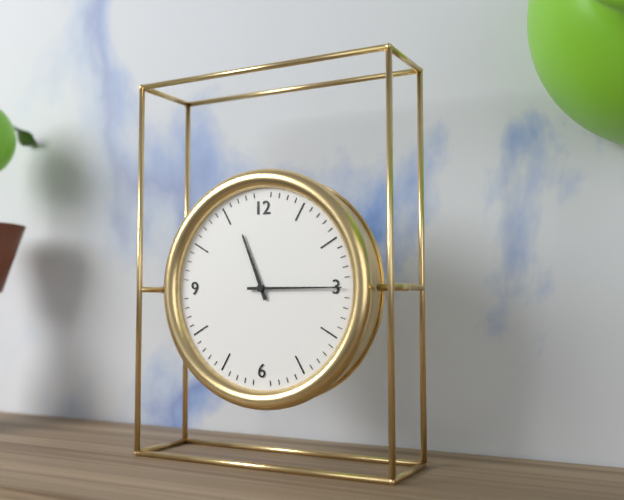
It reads h=11 m=15
